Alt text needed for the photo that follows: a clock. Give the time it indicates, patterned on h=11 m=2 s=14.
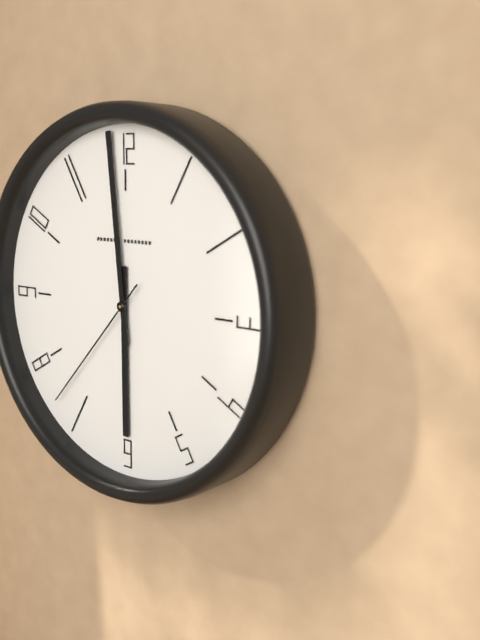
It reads h=5 m=59 s=37
